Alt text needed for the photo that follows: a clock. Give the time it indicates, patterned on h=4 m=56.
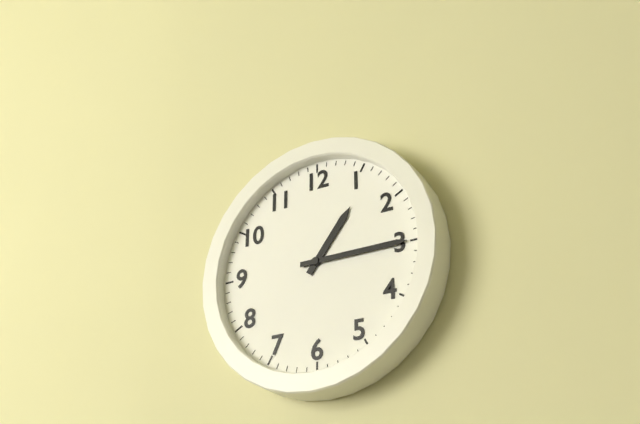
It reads h=1 m=15
